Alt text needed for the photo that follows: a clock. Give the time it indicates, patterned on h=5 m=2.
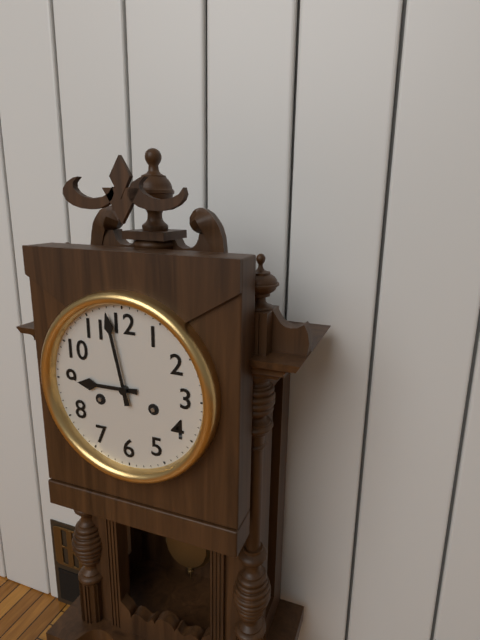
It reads h=8 m=58
